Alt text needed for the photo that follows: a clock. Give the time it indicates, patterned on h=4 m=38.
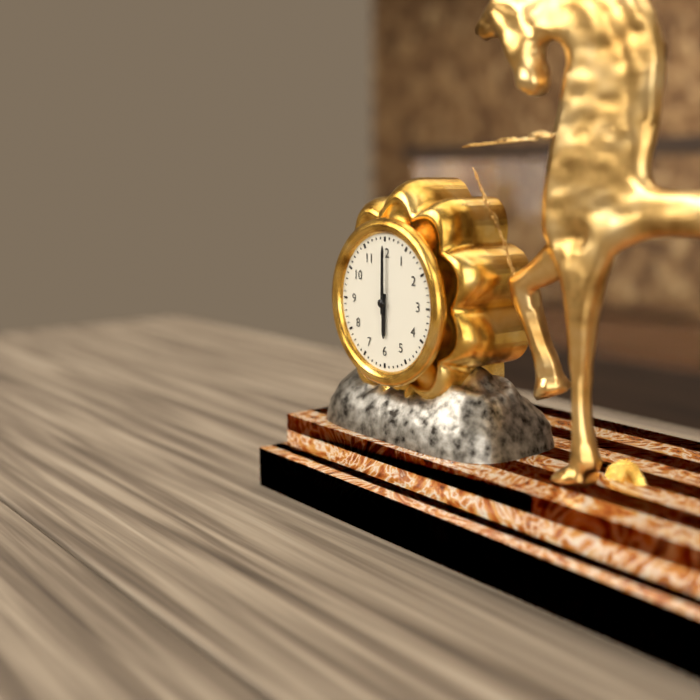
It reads h=6 m=0
